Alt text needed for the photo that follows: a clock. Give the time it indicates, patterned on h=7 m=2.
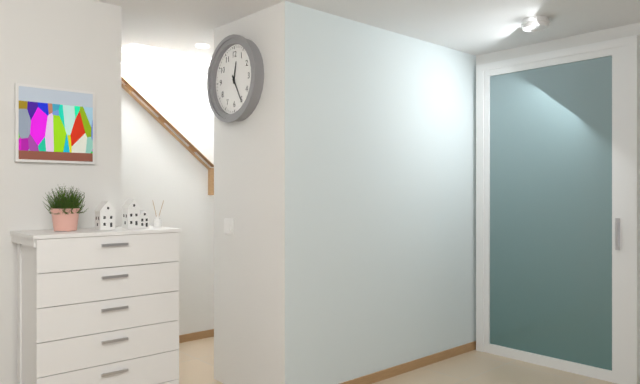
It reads h=12 m=25
